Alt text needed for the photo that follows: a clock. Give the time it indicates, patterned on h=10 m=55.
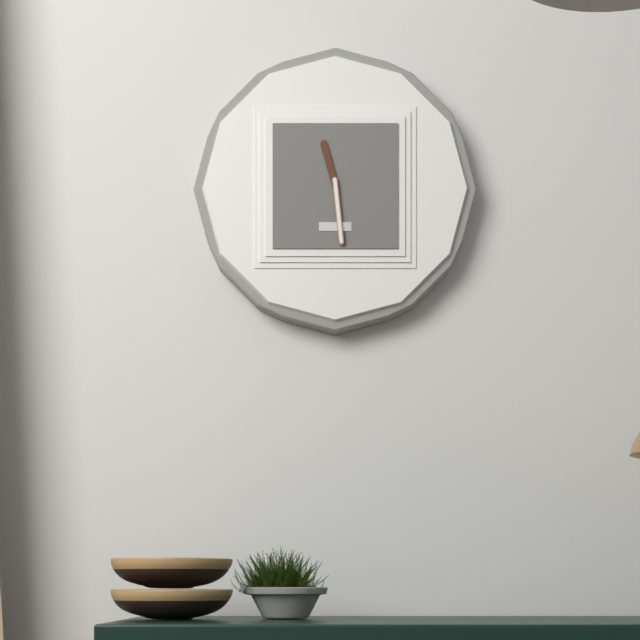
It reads h=11 m=29
